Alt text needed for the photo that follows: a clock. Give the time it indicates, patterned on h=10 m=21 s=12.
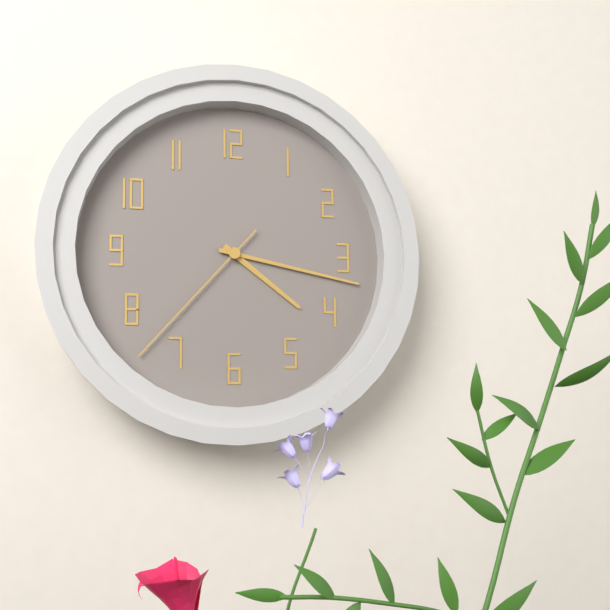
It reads h=4 m=17 s=37
